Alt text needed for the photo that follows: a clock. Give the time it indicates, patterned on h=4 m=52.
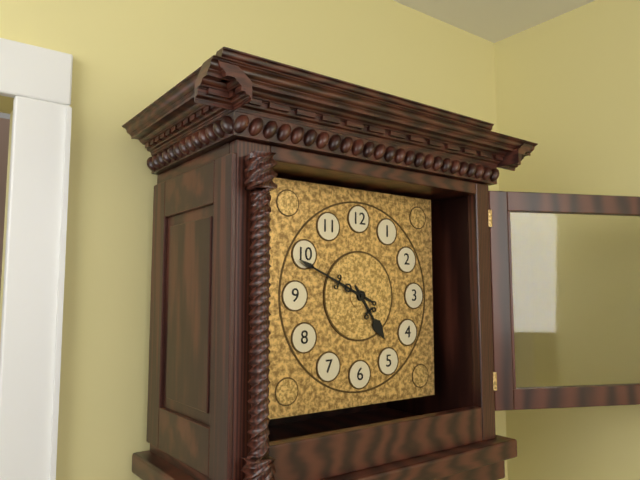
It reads h=4 m=49
